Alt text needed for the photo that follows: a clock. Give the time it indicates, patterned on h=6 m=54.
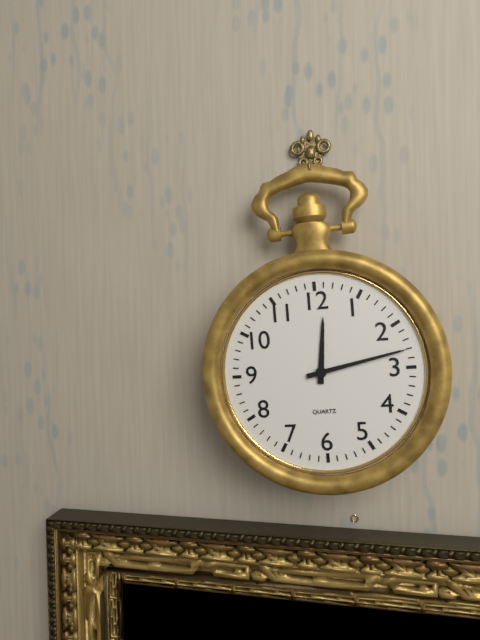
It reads h=12 m=13
